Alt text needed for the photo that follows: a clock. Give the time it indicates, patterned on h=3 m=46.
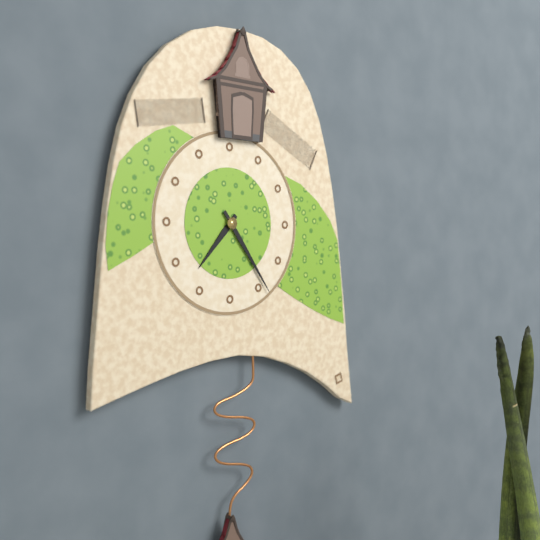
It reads h=7 m=24
